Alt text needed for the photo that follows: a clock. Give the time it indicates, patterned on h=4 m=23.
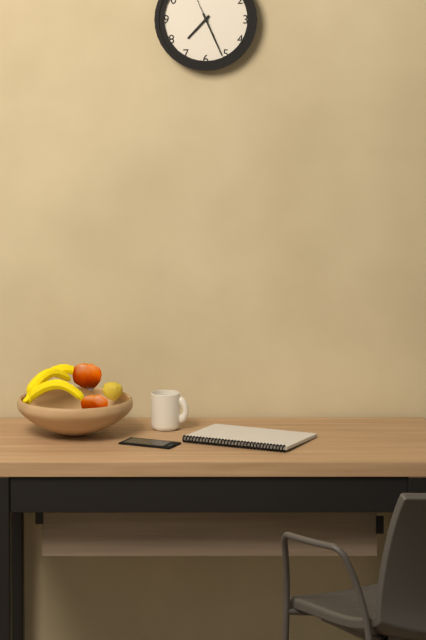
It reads h=7 m=26
